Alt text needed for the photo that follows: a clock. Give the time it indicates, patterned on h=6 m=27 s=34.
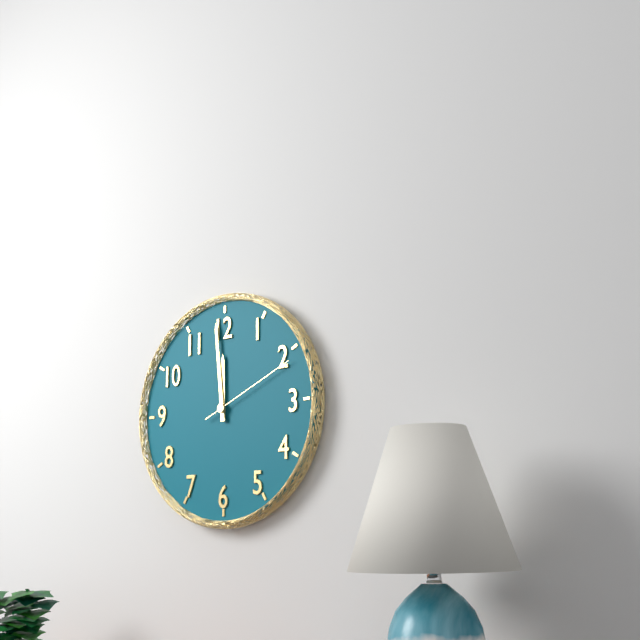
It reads h=11 m=59 s=11
